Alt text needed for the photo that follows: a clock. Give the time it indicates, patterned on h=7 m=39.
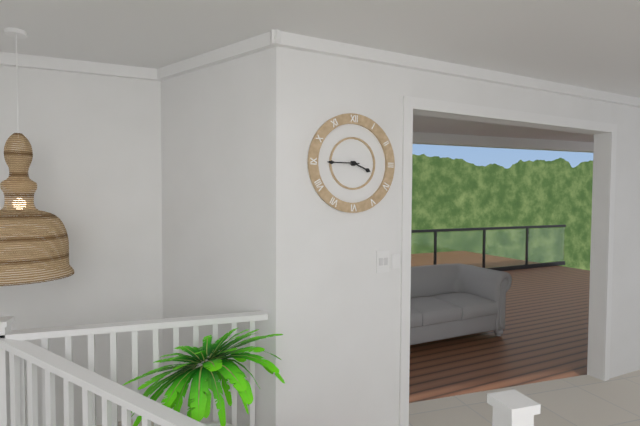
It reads h=3 m=45
